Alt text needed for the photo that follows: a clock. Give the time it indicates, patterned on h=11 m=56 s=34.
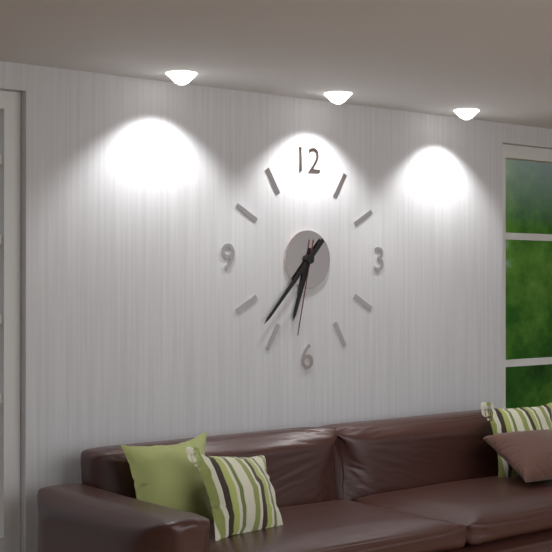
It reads h=6 m=37 s=32
